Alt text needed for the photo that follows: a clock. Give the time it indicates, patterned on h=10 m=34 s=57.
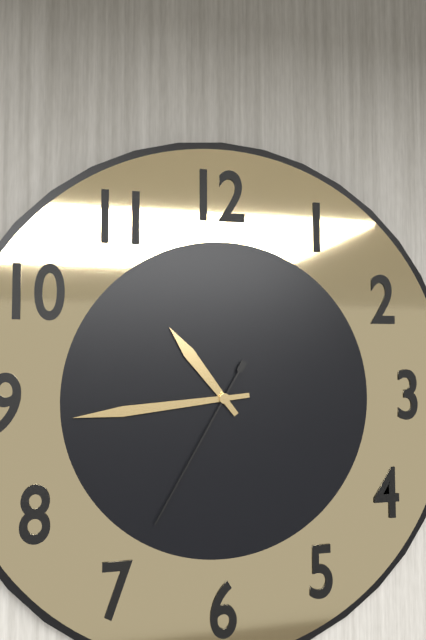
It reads h=10 m=44 s=35
